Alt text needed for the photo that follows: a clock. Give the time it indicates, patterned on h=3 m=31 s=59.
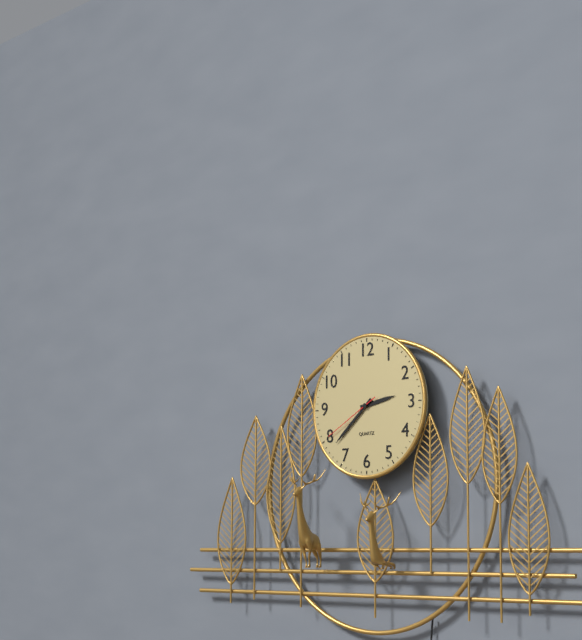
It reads h=2 m=38 s=40
